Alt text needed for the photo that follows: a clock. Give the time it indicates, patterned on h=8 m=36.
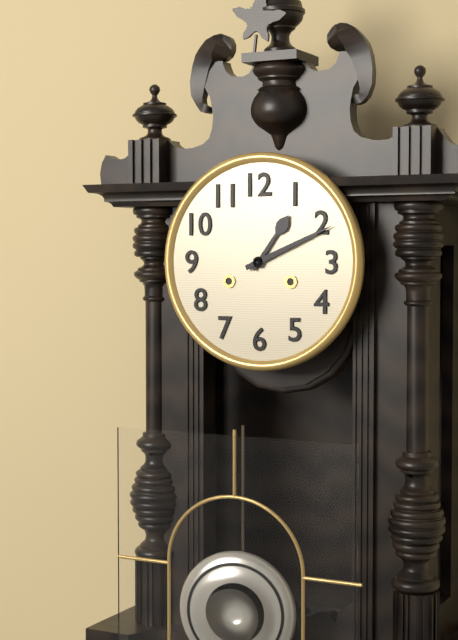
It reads h=1 m=11
